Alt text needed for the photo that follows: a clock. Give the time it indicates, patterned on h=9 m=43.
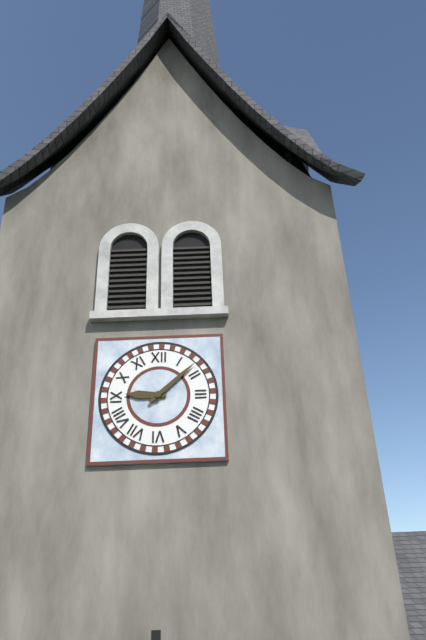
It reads h=9 m=8
